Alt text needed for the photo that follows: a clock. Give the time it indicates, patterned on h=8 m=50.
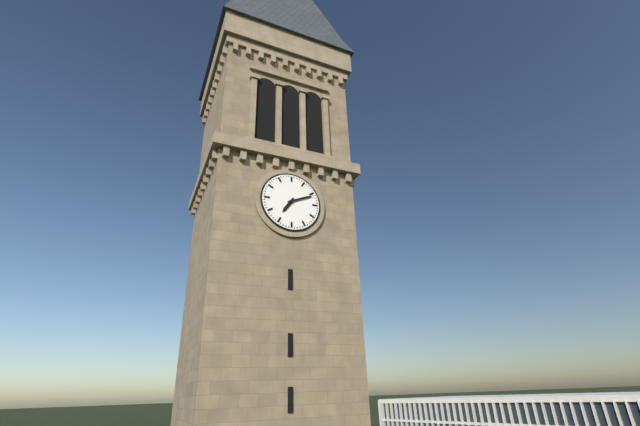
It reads h=7 m=11
